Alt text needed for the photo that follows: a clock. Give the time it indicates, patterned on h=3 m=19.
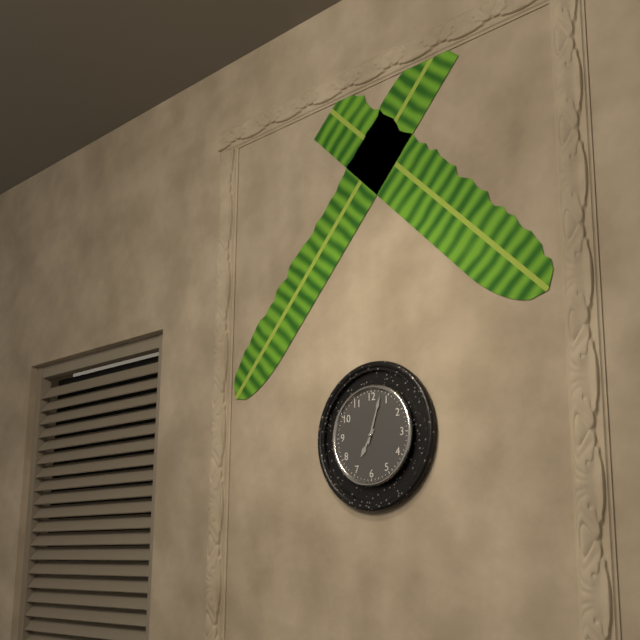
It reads h=7 m=3
